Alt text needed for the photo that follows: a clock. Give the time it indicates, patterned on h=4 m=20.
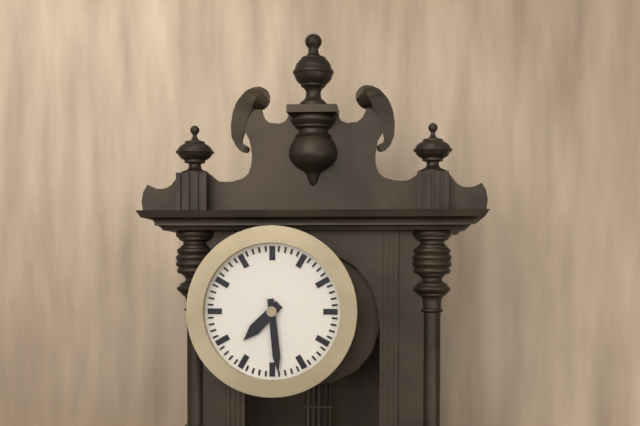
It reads h=7 m=29
